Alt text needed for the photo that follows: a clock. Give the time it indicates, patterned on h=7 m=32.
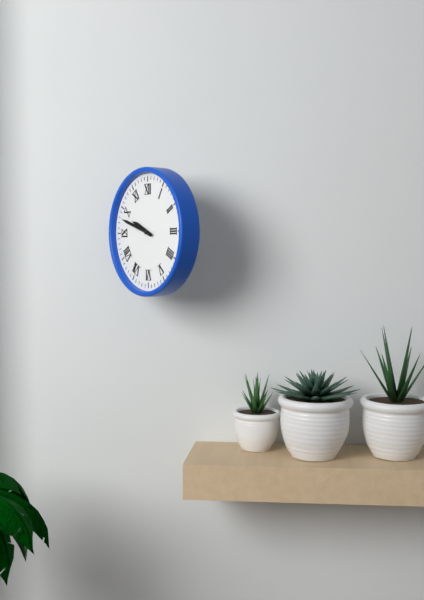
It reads h=9 m=48
